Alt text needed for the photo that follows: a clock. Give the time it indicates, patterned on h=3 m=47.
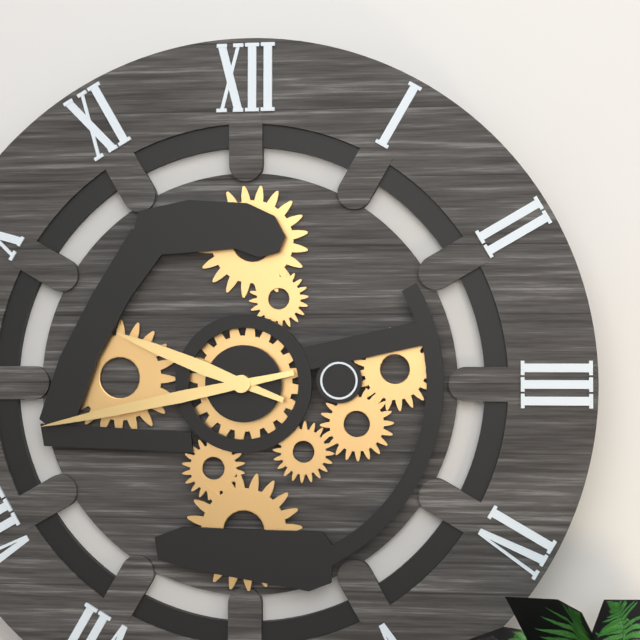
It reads h=9 m=43
